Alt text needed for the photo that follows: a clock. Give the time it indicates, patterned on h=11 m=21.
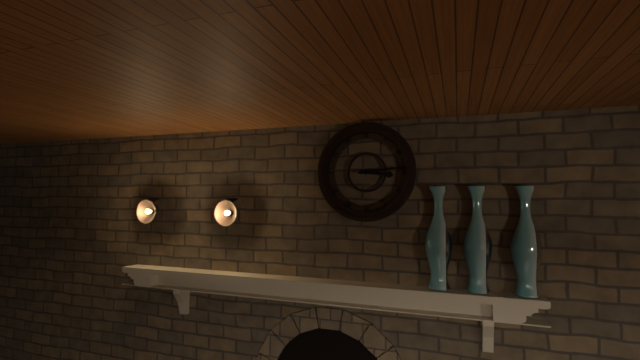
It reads h=3 m=14
